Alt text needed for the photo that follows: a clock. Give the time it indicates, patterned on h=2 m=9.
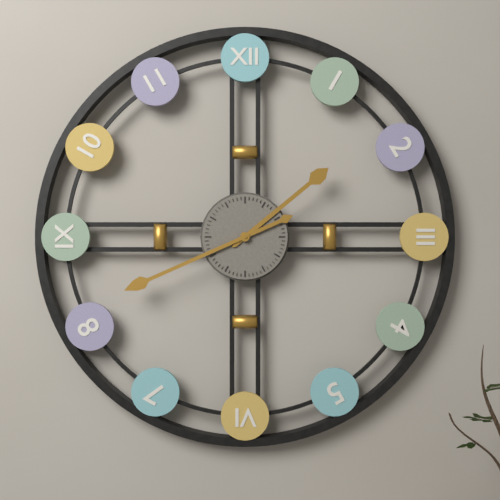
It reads h=1 m=41
